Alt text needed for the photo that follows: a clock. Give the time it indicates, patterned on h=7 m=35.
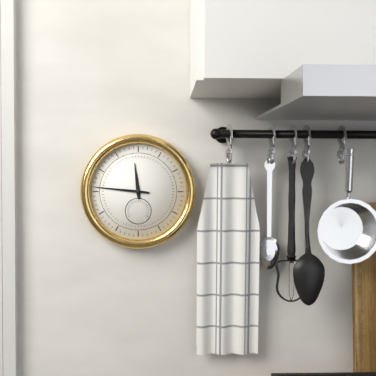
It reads h=11 m=46
